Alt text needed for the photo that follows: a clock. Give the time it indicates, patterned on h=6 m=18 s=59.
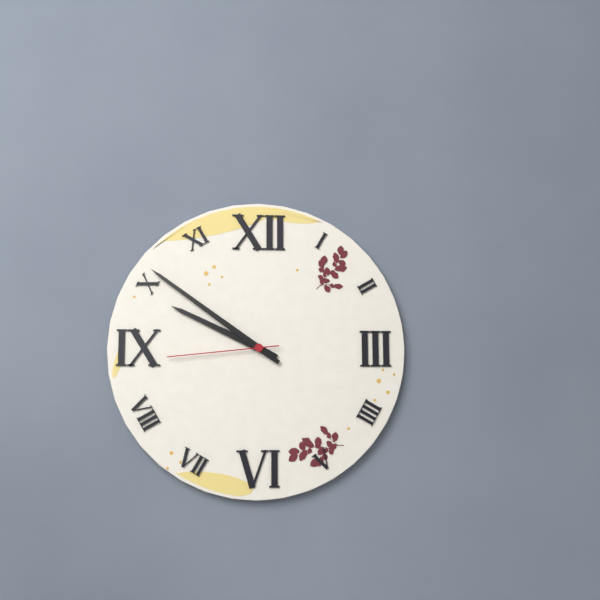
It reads h=9 m=51 s=44
